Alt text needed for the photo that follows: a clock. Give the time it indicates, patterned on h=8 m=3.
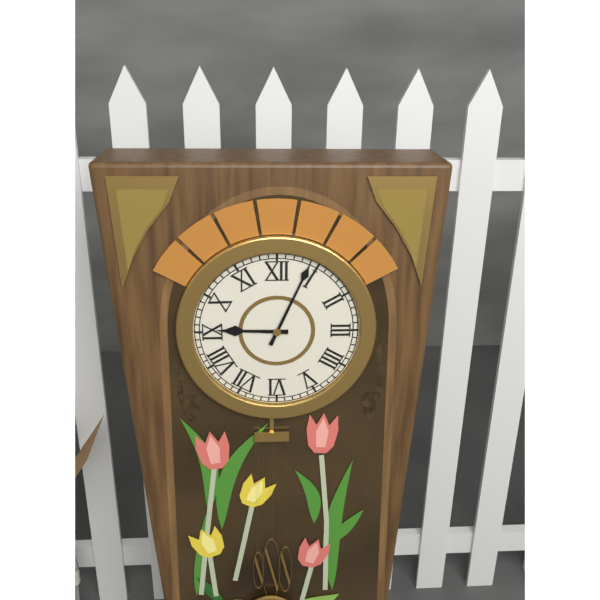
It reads h=9 m=4
